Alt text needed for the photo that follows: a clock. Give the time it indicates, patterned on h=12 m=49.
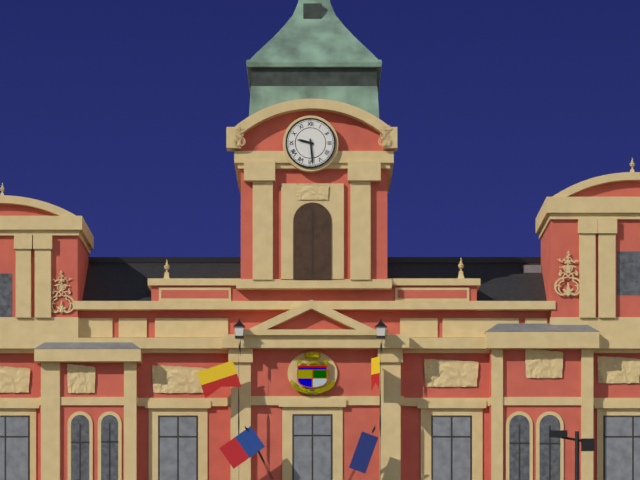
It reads h=9 m=29
